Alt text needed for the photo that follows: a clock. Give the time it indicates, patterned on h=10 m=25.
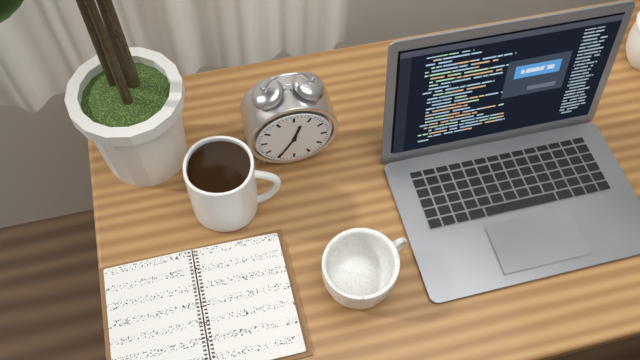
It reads h=12 m=35
